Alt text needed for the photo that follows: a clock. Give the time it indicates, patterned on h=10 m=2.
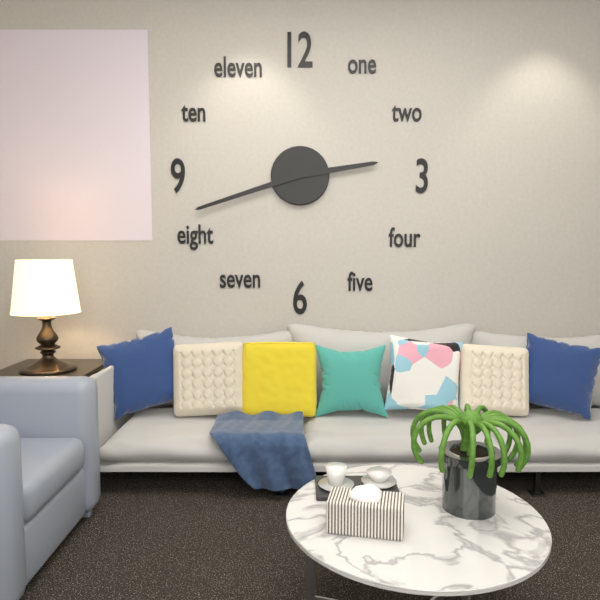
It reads h=2 m=42
